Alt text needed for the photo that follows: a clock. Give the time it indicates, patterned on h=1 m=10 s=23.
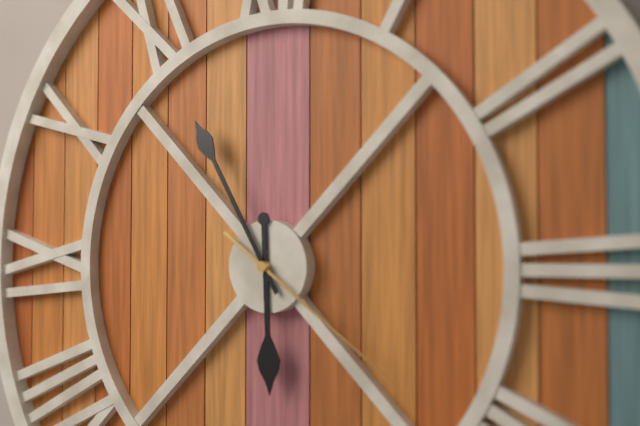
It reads h=5 m=55 s=21
